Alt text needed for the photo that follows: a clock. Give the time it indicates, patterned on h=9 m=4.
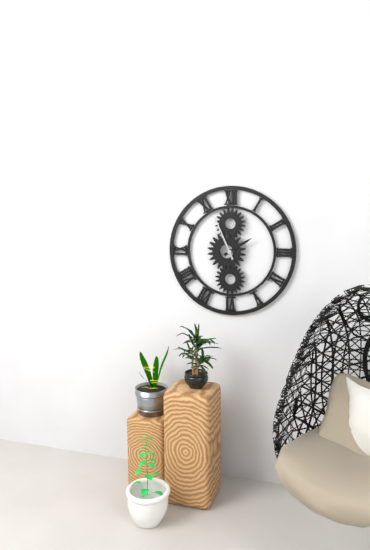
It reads h=1 m=56
